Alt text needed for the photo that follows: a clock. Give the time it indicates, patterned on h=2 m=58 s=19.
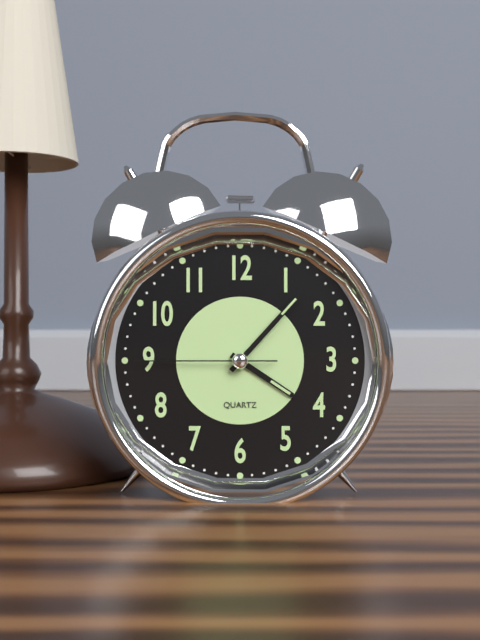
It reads h=4 m=7 s=45
